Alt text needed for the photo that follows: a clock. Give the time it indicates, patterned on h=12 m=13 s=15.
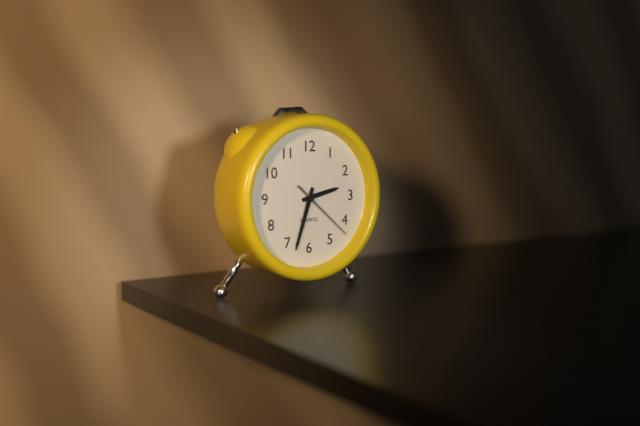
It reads h=2 m=33 s=22
